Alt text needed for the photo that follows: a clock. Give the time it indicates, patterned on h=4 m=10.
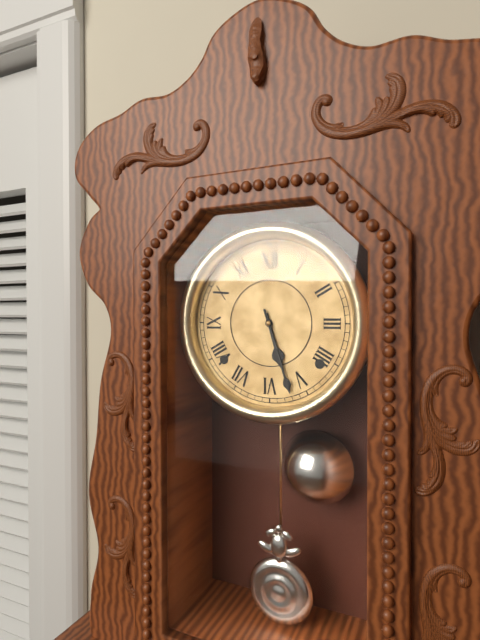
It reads h=5 m=27
